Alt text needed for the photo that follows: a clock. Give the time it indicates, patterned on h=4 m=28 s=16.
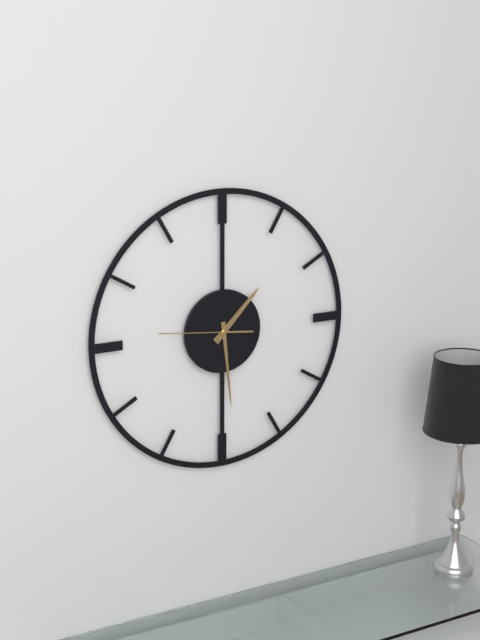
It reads h=1 m=29 s=46
